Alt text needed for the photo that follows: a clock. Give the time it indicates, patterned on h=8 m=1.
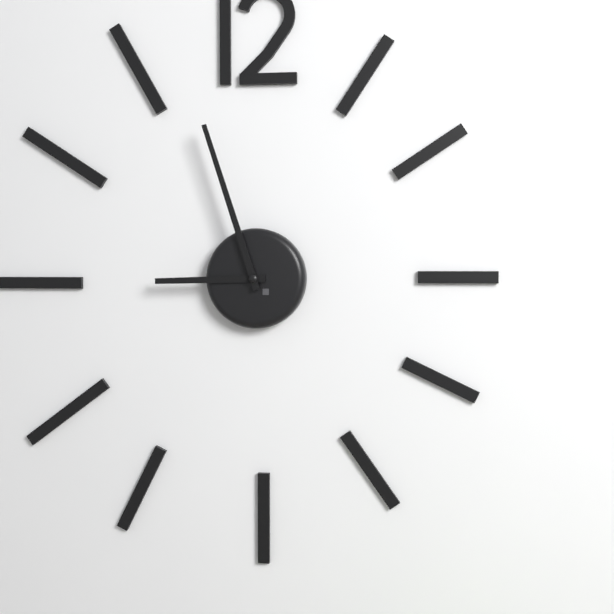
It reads h=8 m=57
